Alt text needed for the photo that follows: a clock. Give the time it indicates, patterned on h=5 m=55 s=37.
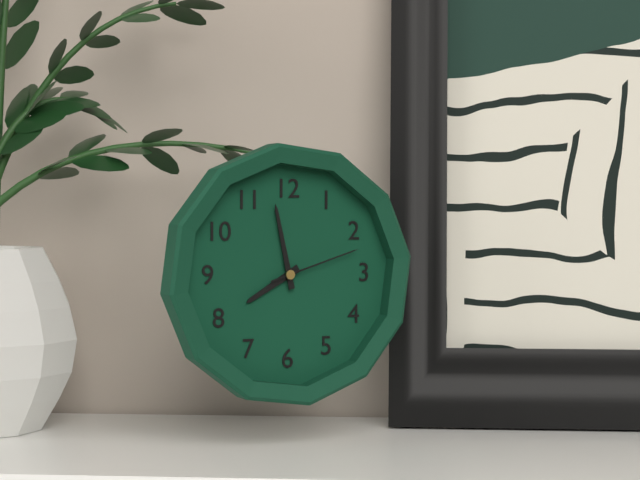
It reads h=7 m=58 s=12
